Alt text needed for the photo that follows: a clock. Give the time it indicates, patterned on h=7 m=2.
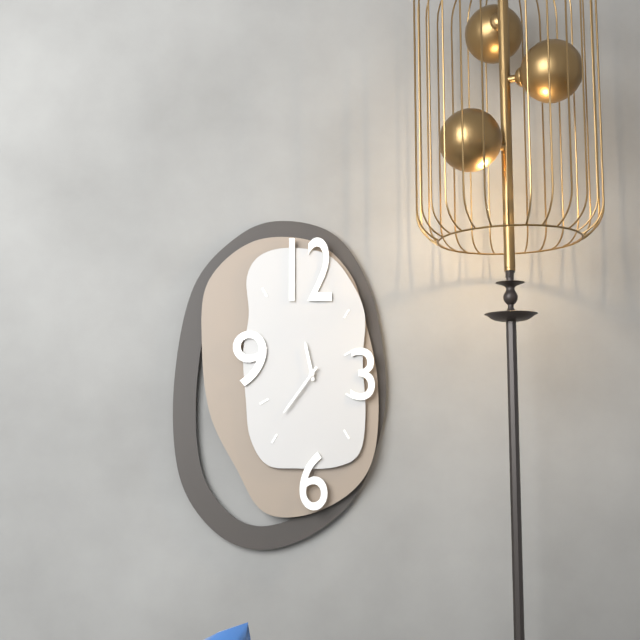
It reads h=11 m=36
